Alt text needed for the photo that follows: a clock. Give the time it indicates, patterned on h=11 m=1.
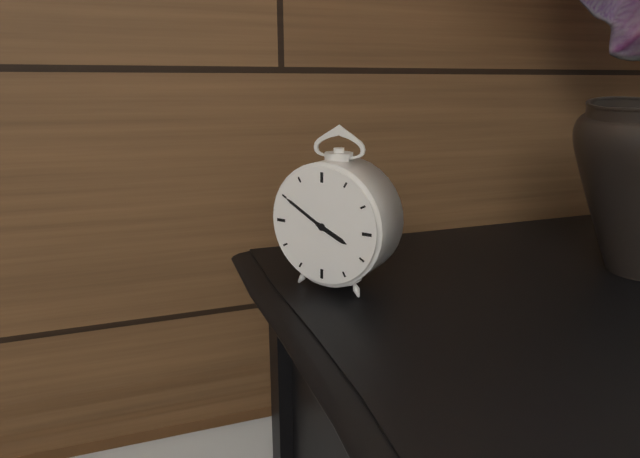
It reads h=3 m=50
